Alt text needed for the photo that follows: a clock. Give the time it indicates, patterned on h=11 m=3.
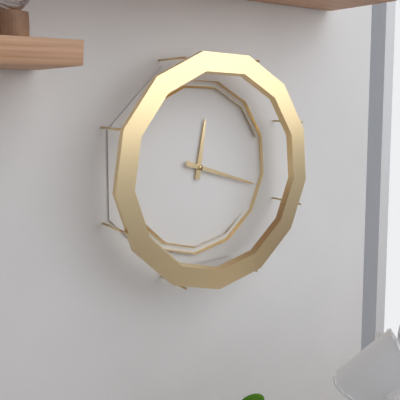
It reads h=12 m=18
